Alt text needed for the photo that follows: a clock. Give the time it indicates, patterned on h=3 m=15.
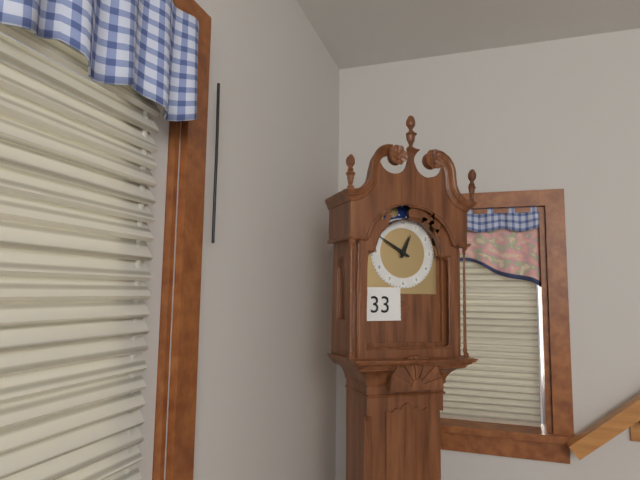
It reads h=12 m=50
